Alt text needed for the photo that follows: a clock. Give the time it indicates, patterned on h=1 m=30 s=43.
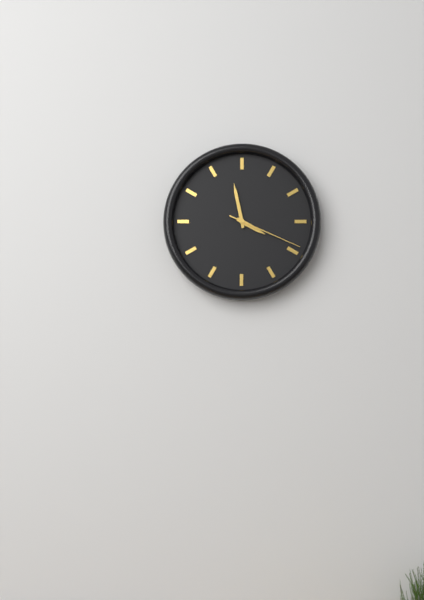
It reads h=3 m=58 s=19
